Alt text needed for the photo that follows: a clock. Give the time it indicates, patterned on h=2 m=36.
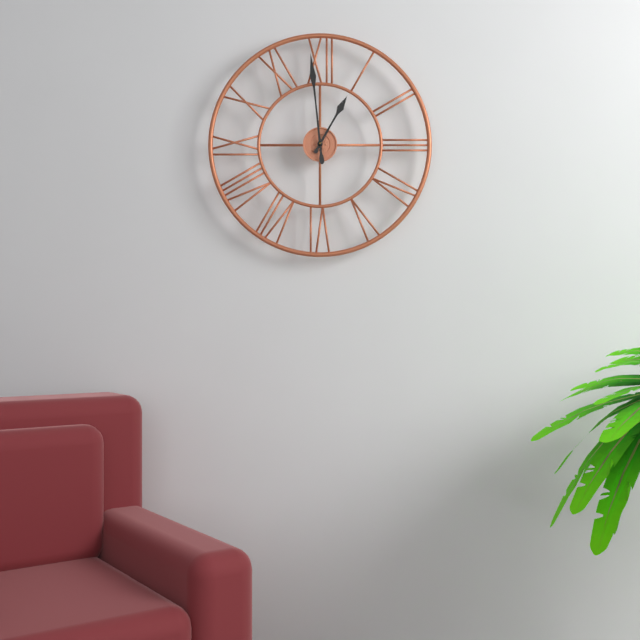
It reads h=12 m=59
